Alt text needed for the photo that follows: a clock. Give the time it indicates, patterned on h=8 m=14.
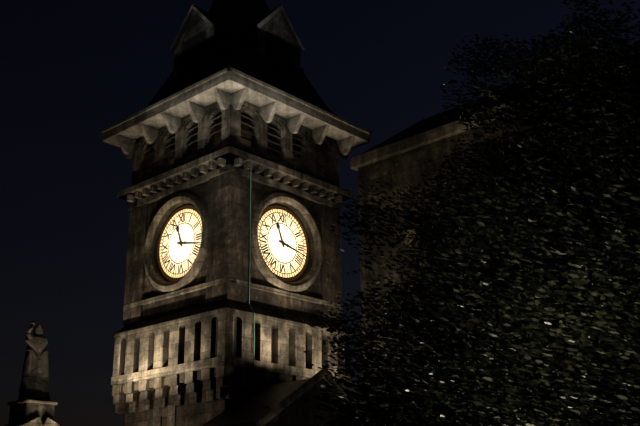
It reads h=11 m=17
